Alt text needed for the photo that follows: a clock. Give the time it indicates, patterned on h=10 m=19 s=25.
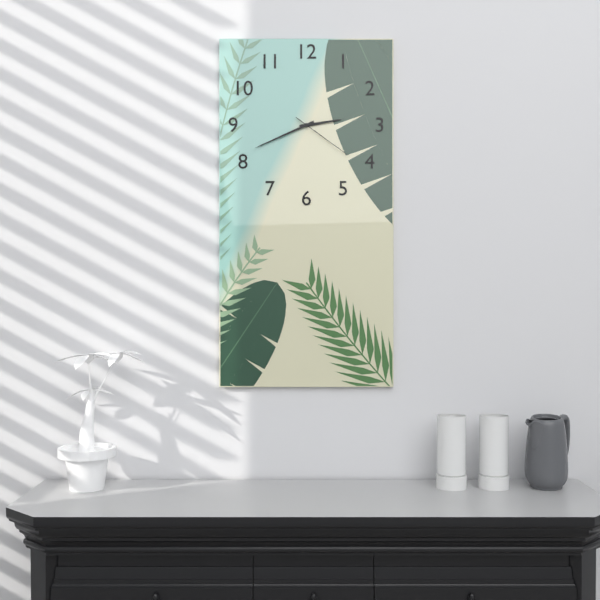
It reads h=2 m=41 s=21
